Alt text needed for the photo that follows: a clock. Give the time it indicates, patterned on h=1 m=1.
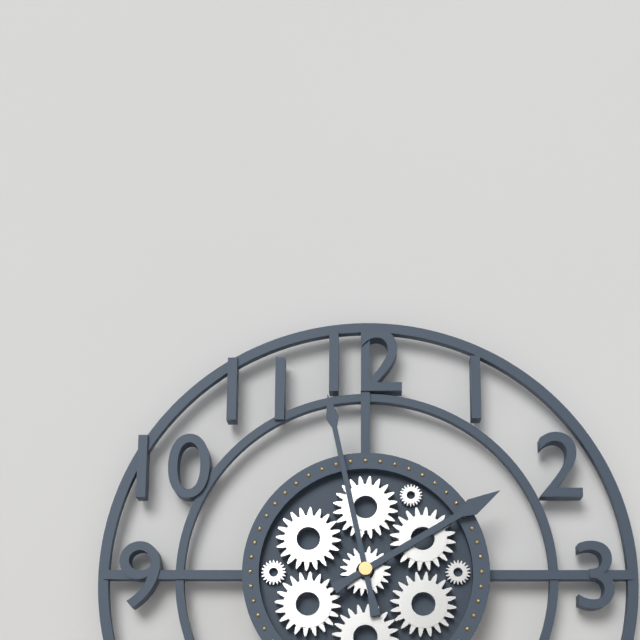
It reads h=1 m=58
